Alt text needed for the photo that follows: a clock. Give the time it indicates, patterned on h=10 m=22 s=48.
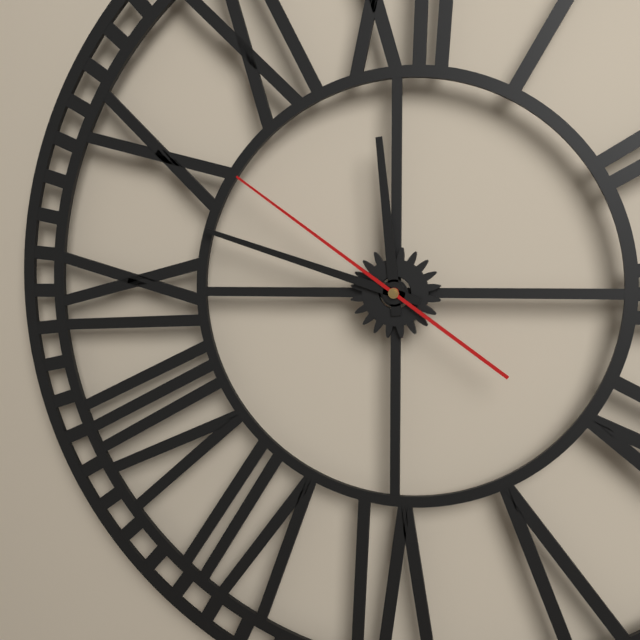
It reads h=11 m=48 s=51
